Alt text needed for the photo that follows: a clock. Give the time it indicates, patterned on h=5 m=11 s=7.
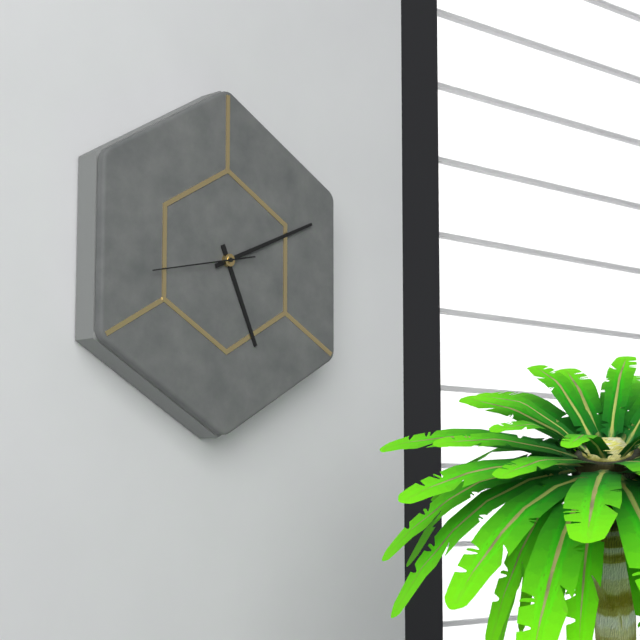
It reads h=5 m=11 s=43
